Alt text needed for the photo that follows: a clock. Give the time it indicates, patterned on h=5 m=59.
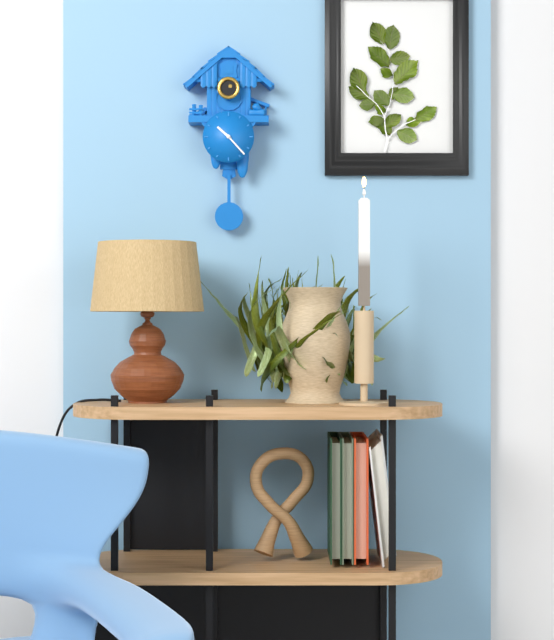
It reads h=10 m=23
